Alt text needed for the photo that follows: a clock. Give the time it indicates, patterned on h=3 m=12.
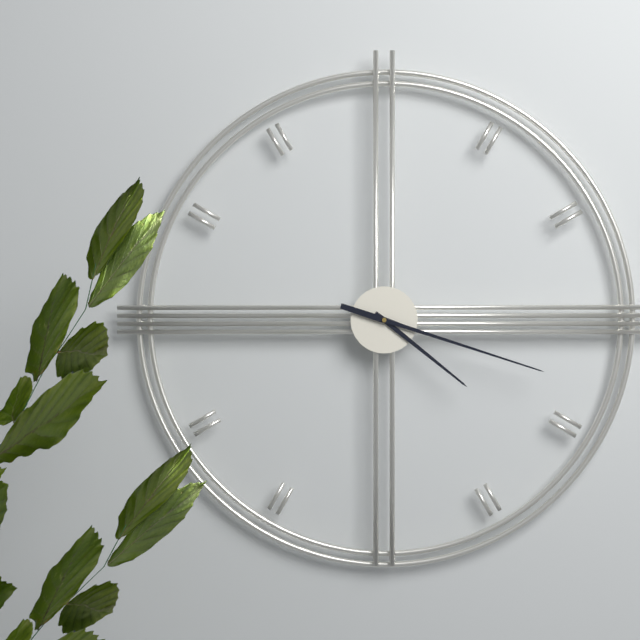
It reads h=4 m=18
